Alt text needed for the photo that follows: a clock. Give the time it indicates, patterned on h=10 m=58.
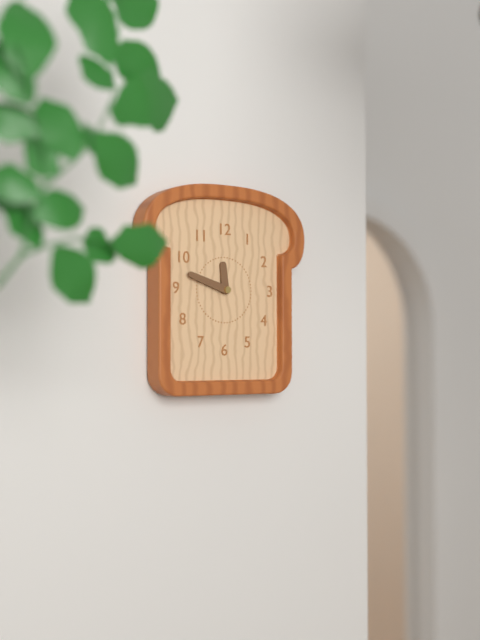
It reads h=11 m=48
